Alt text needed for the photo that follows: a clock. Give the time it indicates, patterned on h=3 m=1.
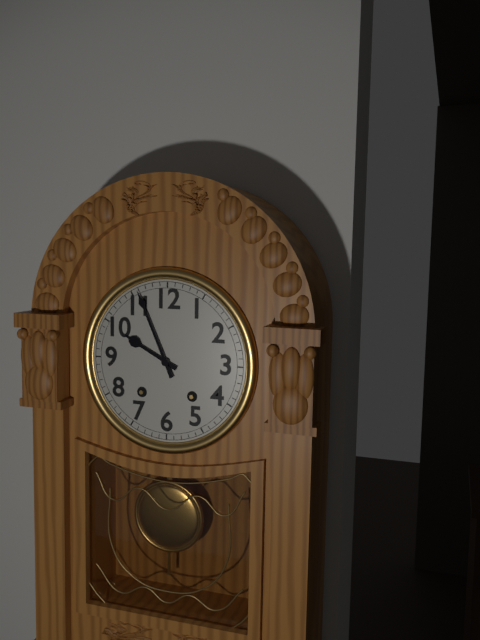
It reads h=9 m=56
